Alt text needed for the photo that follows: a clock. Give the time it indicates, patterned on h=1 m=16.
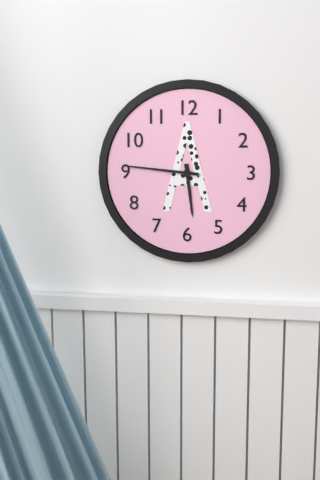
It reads h=5 m=46
